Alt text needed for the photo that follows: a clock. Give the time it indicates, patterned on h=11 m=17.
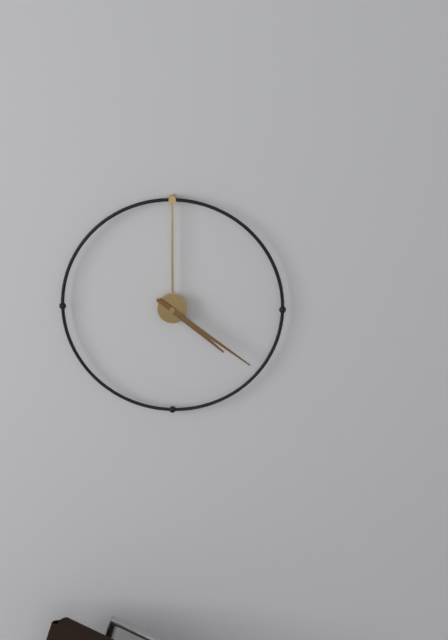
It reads h=4 m=21
